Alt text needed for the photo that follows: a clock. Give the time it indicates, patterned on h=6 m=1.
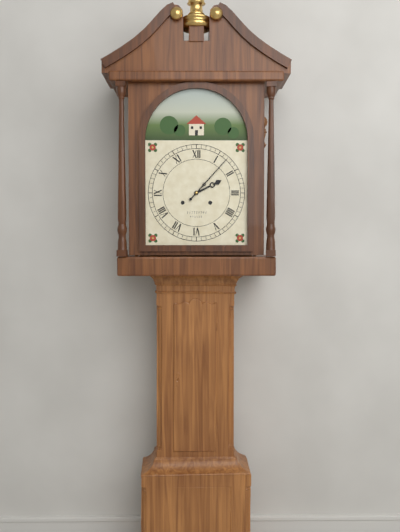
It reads h=2 m=7
